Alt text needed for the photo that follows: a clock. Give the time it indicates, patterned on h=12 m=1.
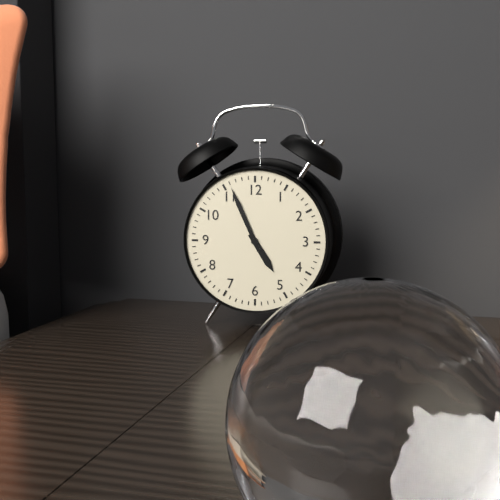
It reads h=4 m=56
